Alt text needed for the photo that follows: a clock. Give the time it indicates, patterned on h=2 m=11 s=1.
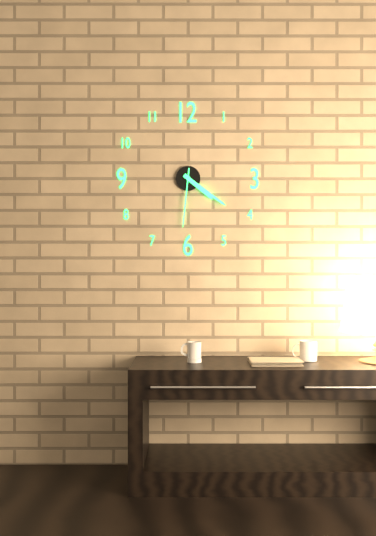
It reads h=4 m=21 s=31
